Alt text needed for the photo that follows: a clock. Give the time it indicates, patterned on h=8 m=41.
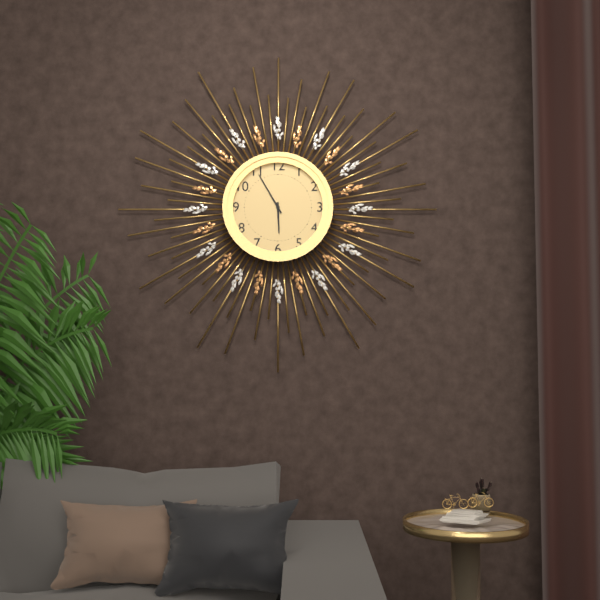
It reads h=5 m=55
